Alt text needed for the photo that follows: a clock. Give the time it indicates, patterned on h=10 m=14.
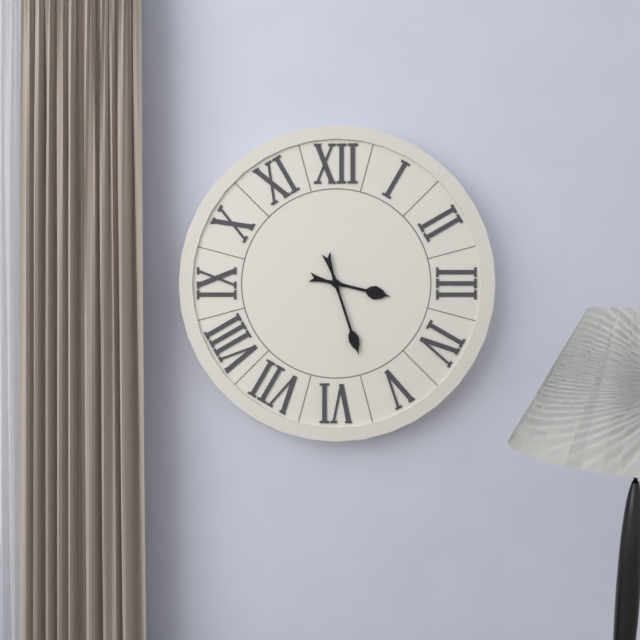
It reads h=3 m=27
